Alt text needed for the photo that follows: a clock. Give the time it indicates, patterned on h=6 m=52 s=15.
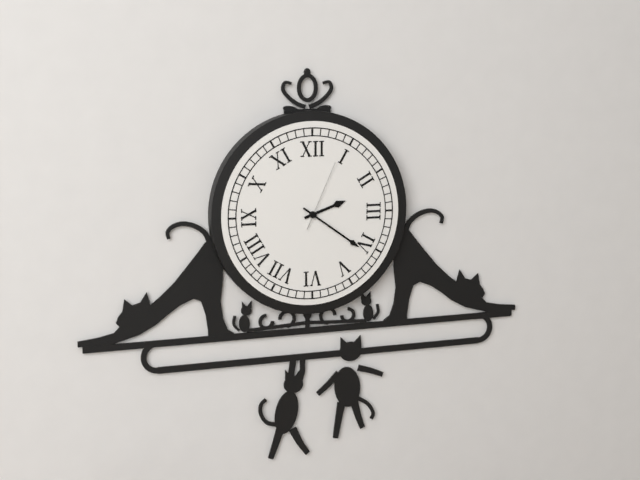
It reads h=2 m=21 s=4
